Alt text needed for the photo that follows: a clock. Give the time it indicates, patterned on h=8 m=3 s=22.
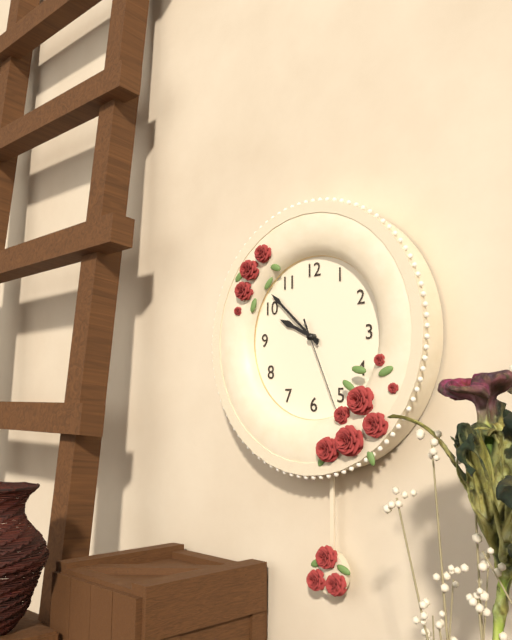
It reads h=9 m=52 s=26
